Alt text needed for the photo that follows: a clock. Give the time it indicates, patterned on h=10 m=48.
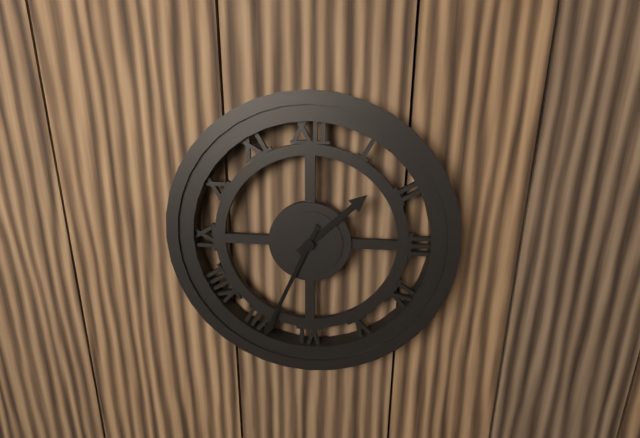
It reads h=1 m=34
